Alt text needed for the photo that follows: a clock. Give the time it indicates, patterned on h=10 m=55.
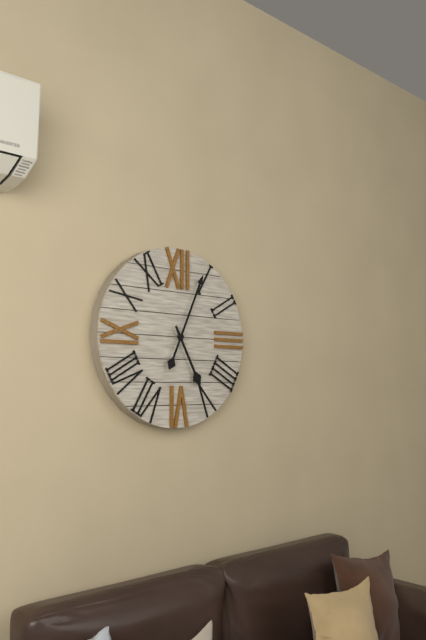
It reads h=5 m=4
